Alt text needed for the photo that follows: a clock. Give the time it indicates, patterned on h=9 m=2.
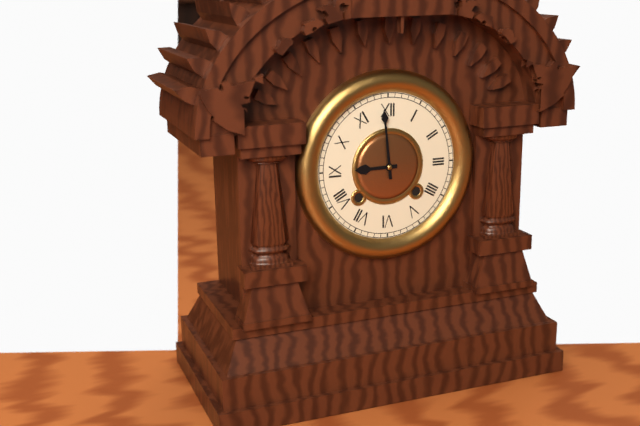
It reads h=8 m=59
